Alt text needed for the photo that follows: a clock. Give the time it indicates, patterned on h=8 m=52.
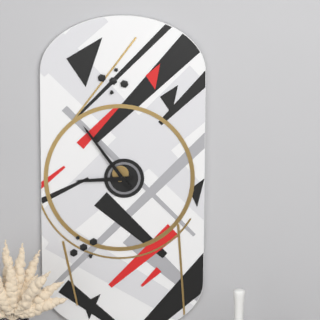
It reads h=8 m=54
